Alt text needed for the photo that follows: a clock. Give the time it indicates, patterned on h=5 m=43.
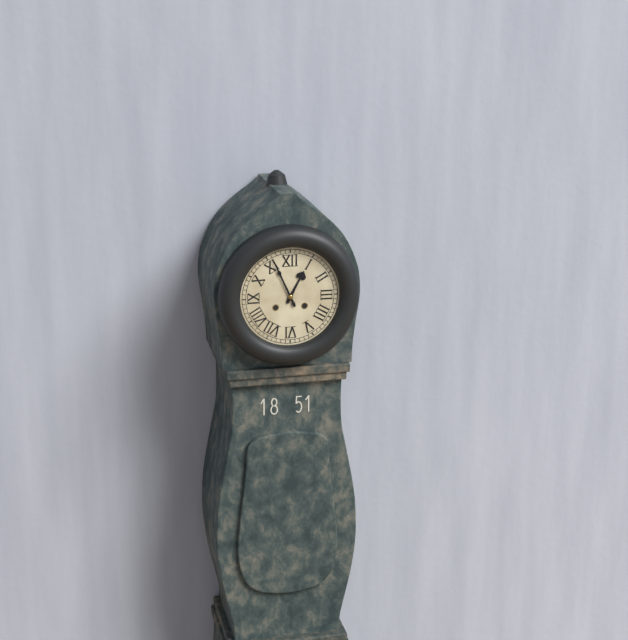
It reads h=12 m=56
